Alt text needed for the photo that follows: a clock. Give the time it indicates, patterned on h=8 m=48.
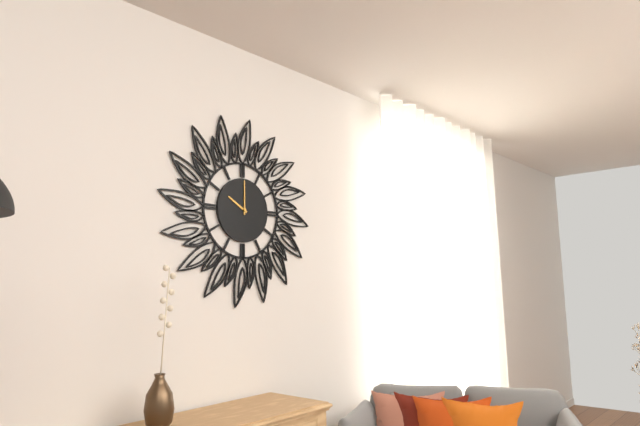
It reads h=10 m=0
